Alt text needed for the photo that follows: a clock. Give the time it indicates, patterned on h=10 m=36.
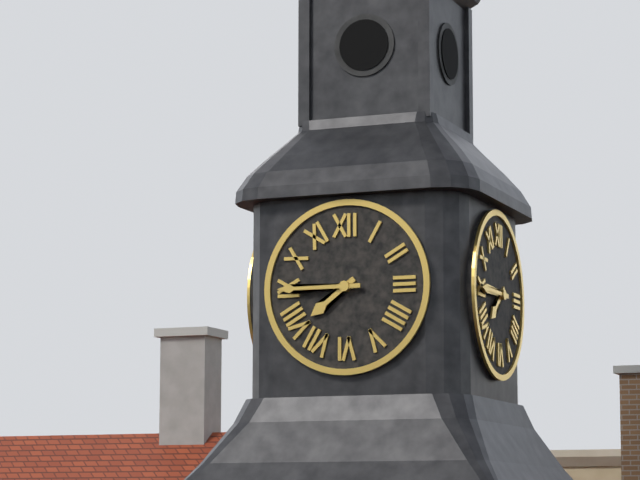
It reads h=7 m=45
